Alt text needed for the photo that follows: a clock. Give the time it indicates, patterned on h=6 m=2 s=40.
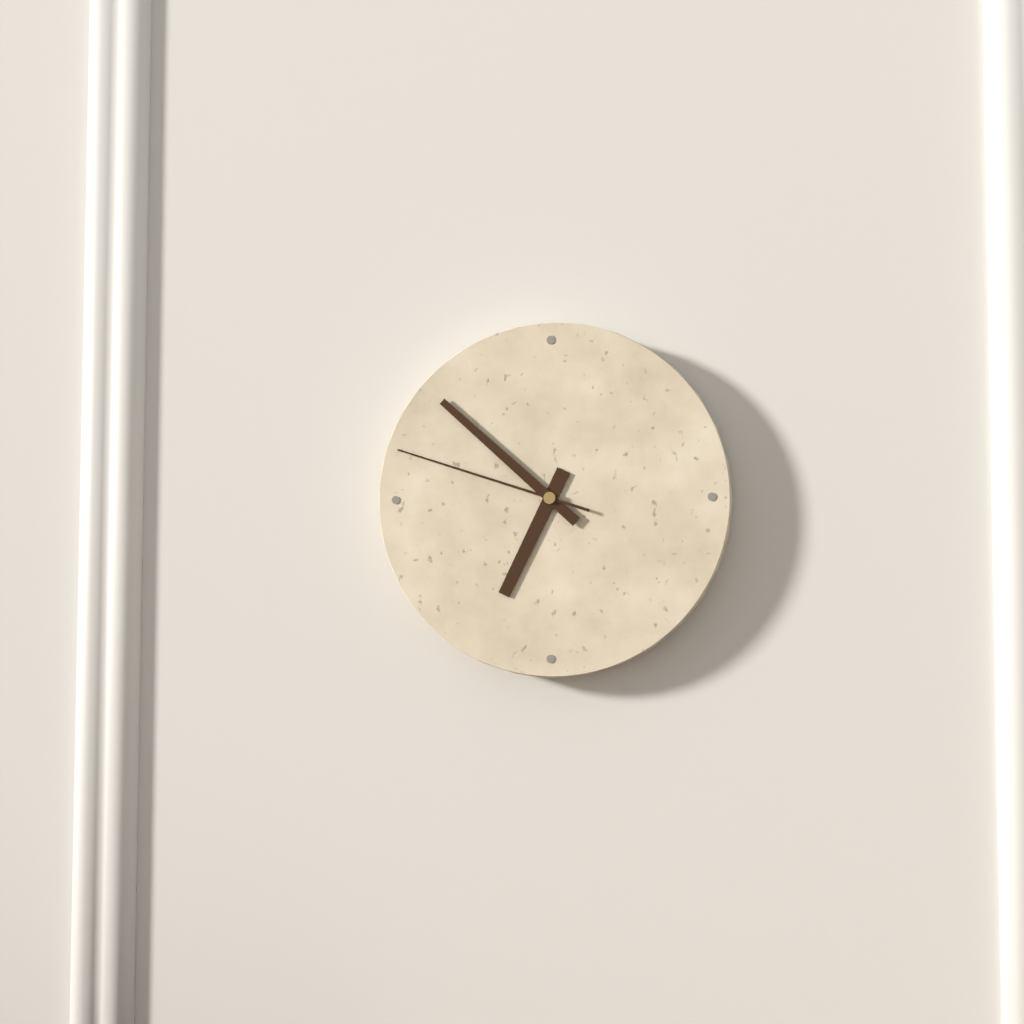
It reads h=6 m=52 s=48
